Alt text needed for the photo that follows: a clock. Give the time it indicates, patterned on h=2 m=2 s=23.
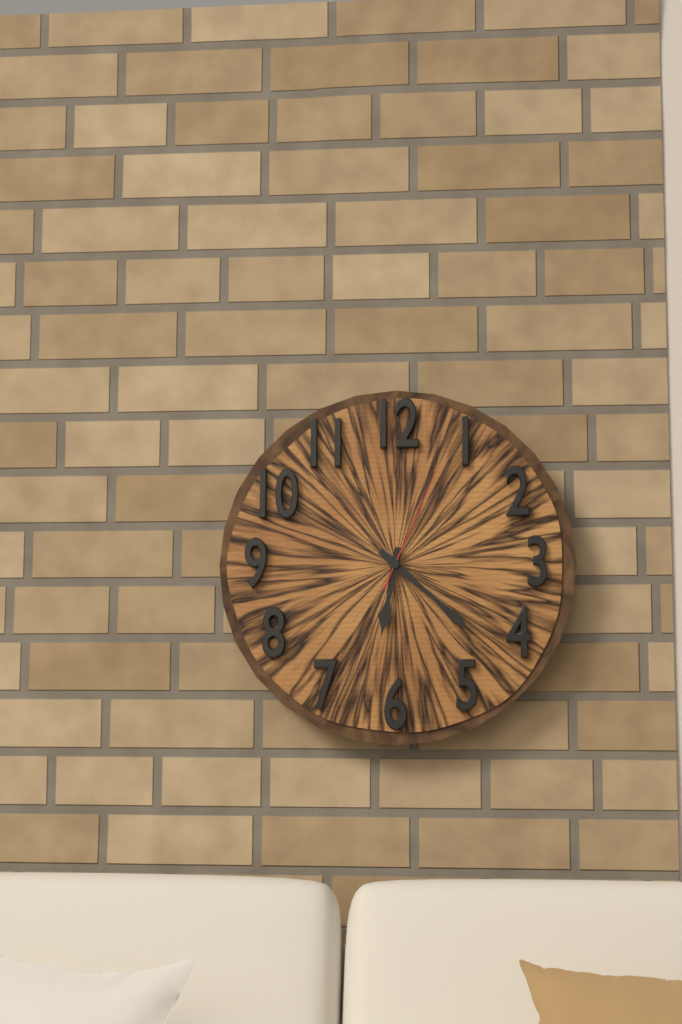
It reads h=6 m=22 s=4
